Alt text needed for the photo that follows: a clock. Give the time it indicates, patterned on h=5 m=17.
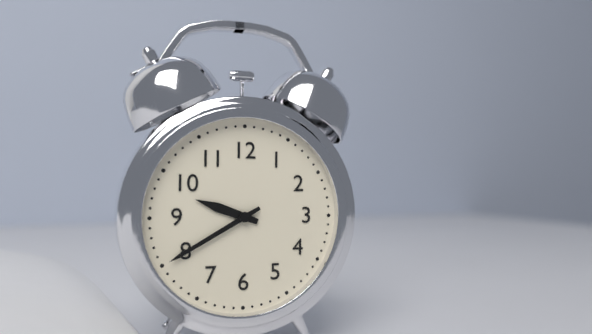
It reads h=9 m=40
